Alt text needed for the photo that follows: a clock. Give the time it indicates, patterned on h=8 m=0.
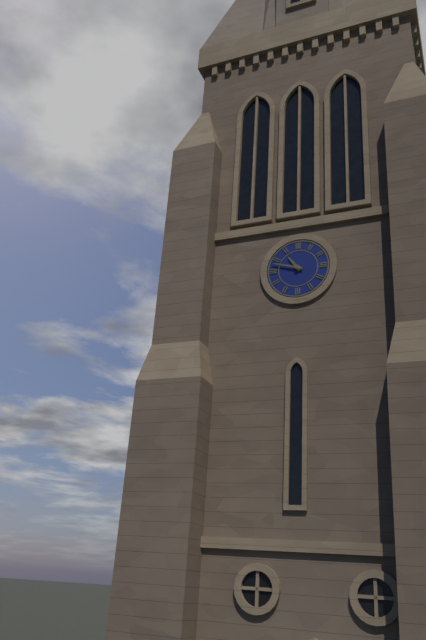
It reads h=10 m=48
